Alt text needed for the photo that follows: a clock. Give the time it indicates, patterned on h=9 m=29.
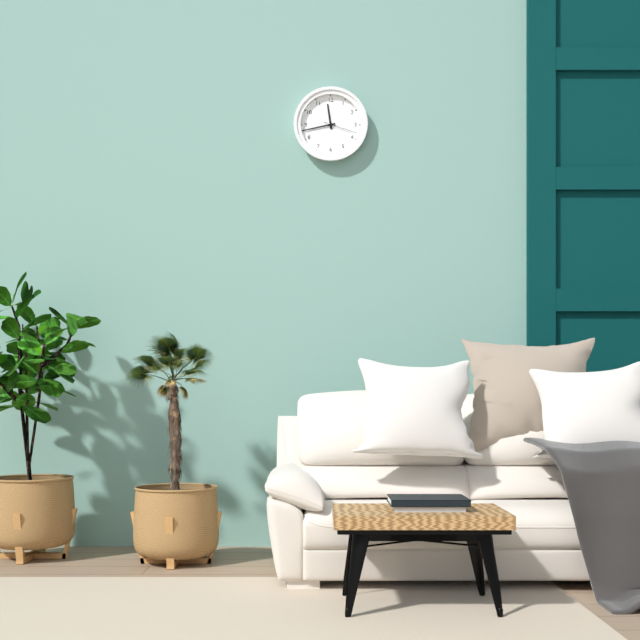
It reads h=11 m=43
